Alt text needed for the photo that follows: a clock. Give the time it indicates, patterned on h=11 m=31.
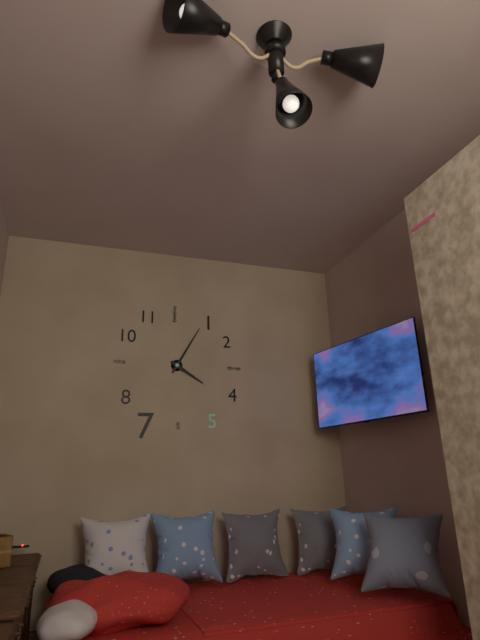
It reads h=4 m=5
